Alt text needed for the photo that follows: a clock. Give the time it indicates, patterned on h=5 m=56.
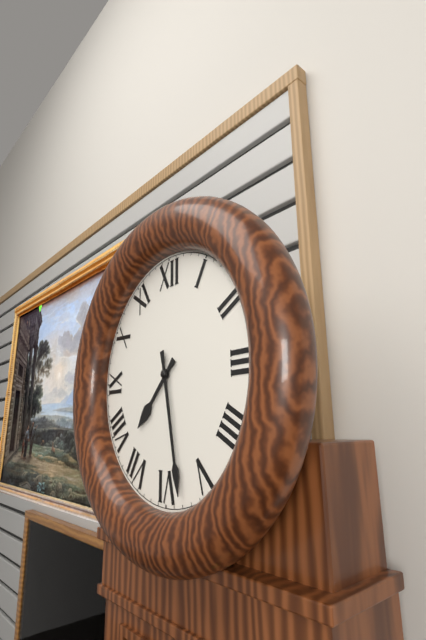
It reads h=7 m=28
